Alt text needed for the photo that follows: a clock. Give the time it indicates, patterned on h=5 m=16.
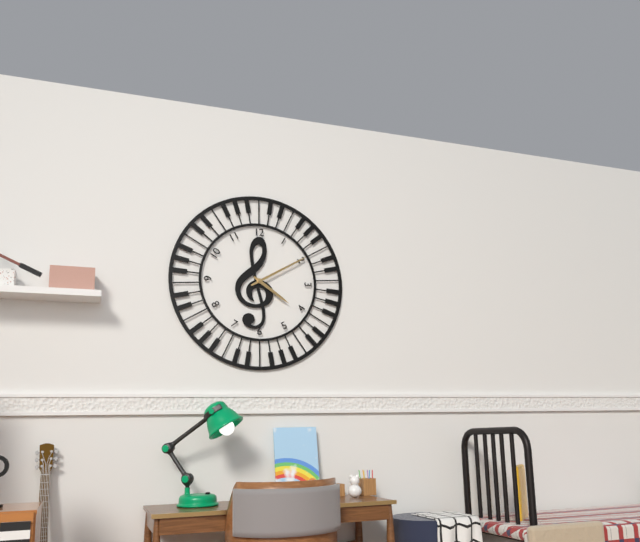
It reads h=4 m=10
